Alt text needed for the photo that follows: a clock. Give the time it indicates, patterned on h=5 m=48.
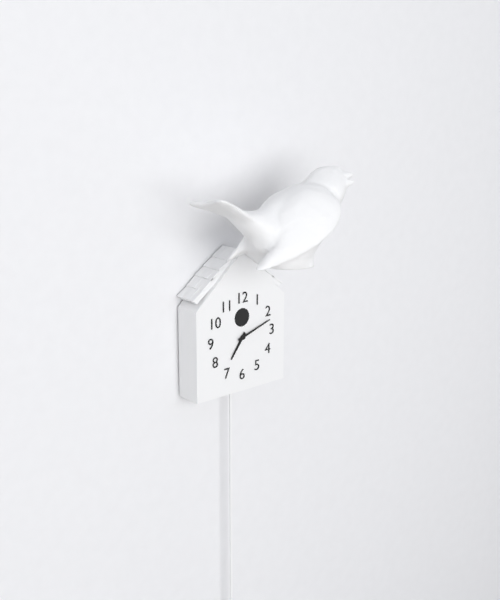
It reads h=7 m=12
